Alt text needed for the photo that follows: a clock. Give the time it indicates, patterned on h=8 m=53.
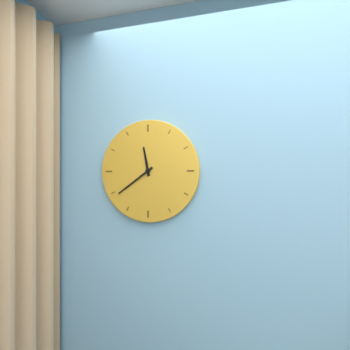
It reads h=11 m=39
